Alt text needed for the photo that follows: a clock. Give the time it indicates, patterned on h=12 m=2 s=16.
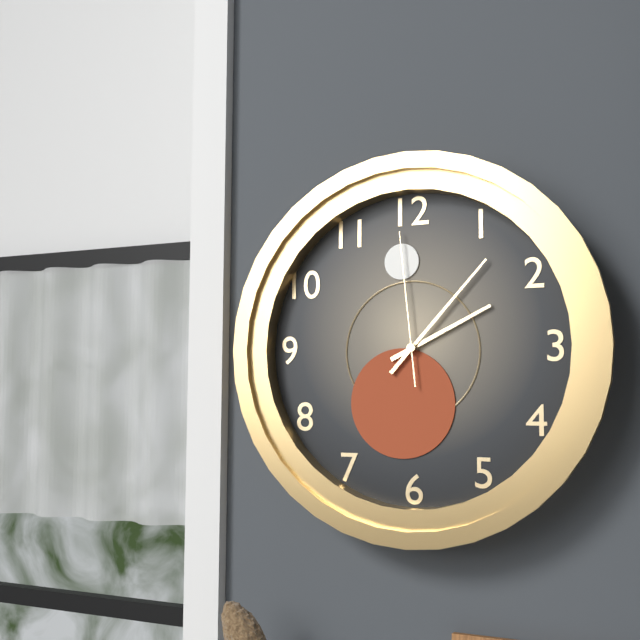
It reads h=2 m=7 s=59
